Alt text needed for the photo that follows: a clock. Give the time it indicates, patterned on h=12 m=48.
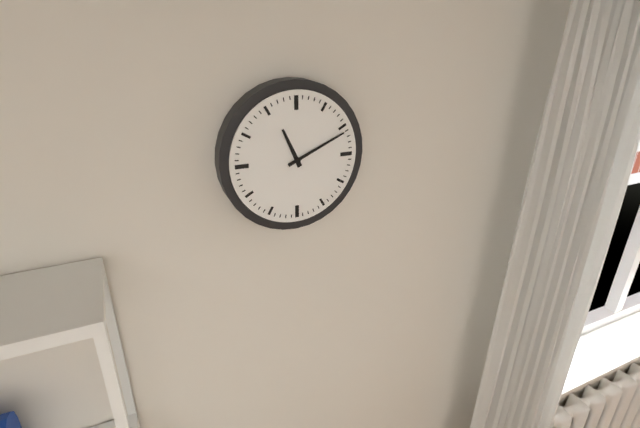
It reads h=11 m=11
